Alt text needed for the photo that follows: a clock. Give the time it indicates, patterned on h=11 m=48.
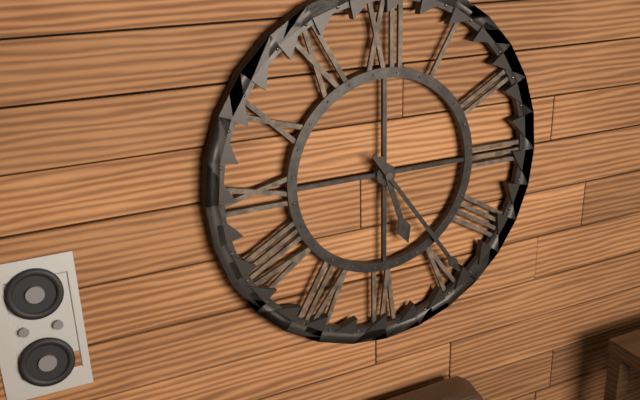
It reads h=5 m=24
